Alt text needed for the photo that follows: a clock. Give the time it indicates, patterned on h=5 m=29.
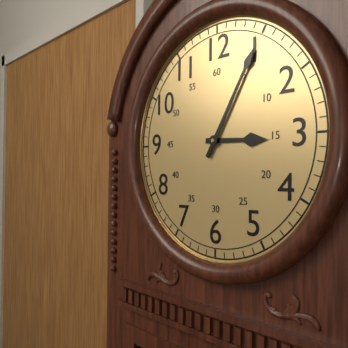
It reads h=3 m=5
